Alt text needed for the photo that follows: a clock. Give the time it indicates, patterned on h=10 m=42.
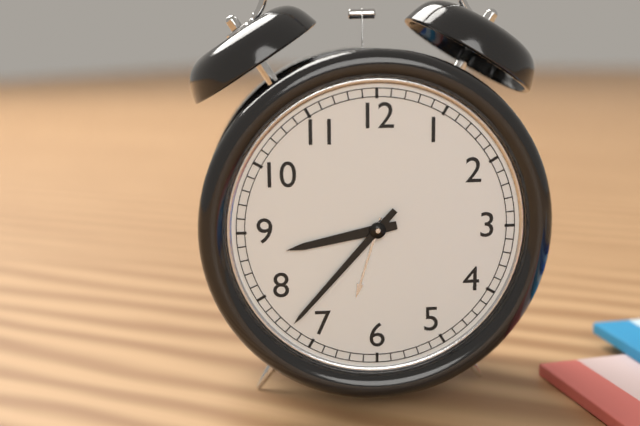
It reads h=8 m=37
